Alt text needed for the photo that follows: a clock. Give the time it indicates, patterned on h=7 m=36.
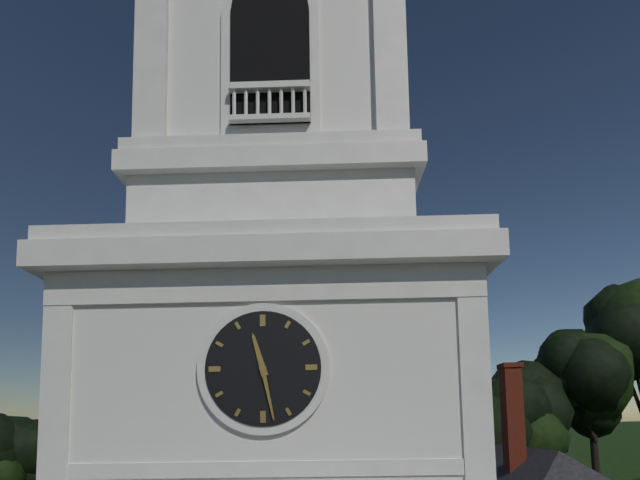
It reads h=11 m=28
